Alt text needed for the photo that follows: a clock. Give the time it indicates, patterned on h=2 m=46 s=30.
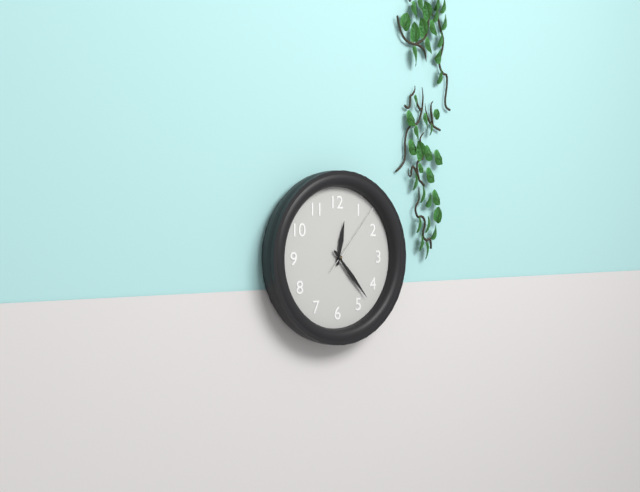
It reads h=12 m=23 s=7
